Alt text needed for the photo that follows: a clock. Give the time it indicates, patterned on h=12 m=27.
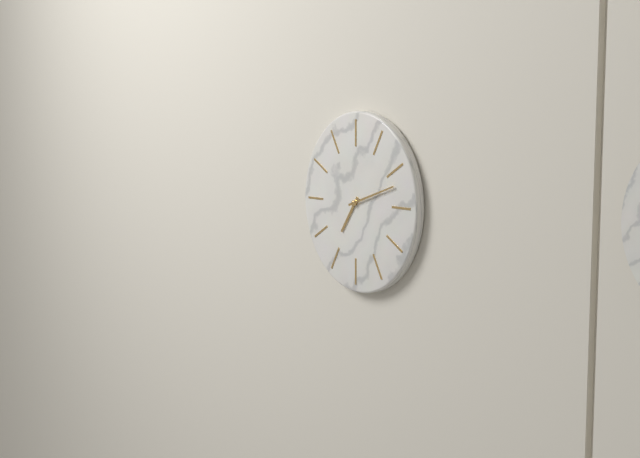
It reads h=7 m=12
